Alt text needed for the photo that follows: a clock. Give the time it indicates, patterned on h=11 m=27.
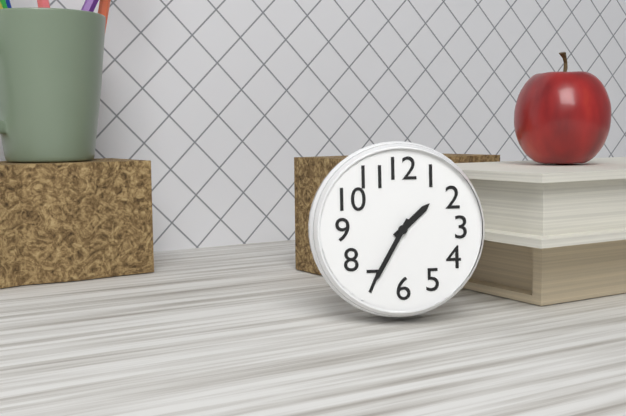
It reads h=1 m=35
